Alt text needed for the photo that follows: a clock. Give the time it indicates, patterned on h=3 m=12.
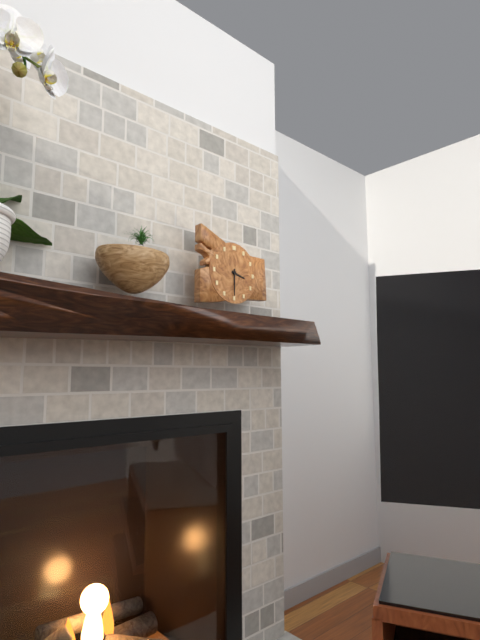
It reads h=3 m=30
